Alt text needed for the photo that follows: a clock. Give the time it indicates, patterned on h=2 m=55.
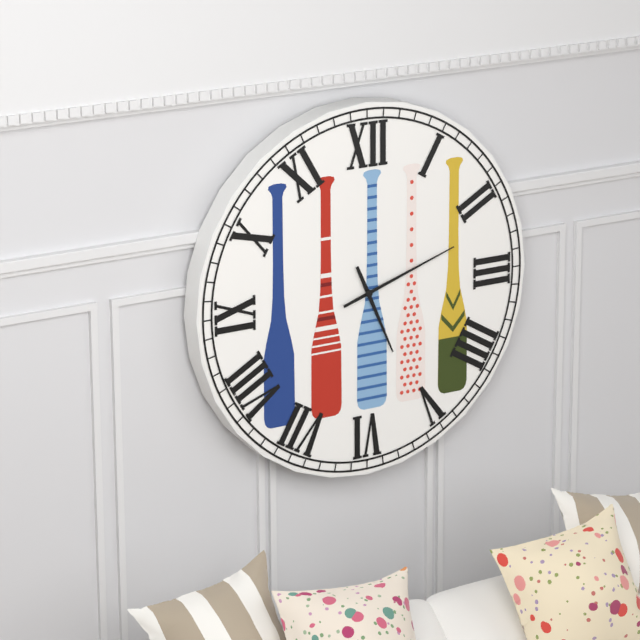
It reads h=5 m=12
